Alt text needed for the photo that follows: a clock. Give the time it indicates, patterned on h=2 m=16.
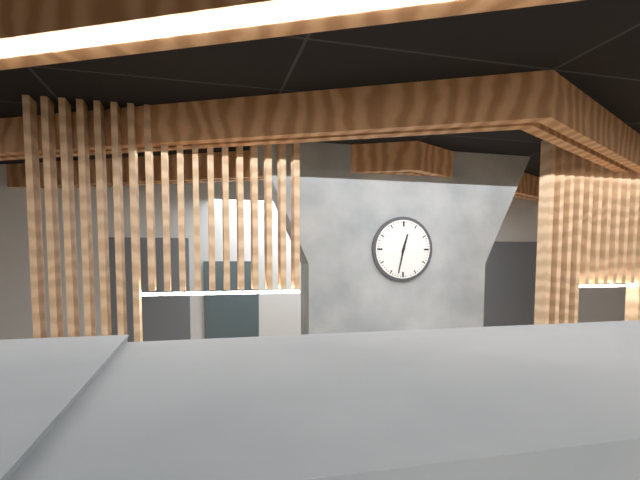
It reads h=12 m=32
